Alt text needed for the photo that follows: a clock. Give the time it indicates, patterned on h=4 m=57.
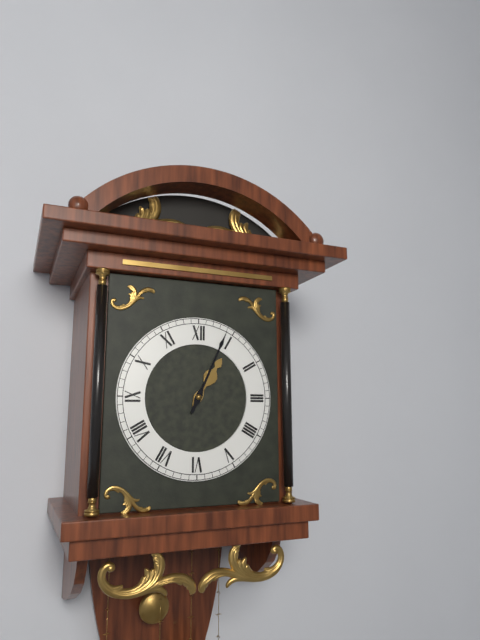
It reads h=1 m=4
